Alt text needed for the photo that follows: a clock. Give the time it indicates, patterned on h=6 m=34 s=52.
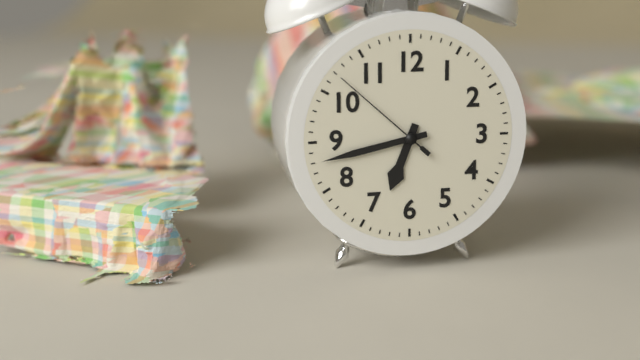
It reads h=6 m=43 s=52
